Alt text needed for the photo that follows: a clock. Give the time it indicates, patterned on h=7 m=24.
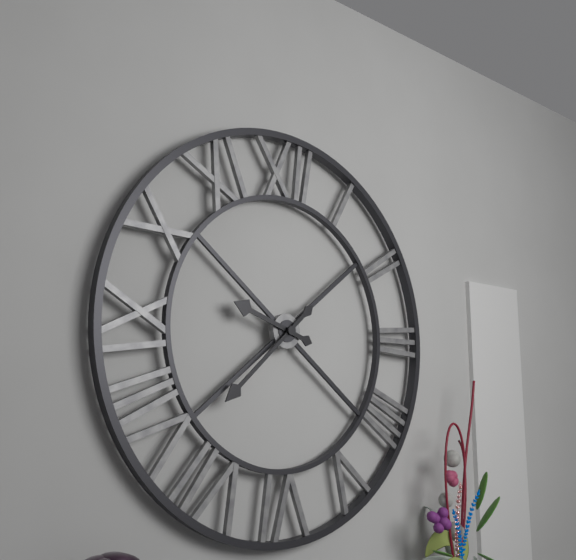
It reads h=9 m=38
